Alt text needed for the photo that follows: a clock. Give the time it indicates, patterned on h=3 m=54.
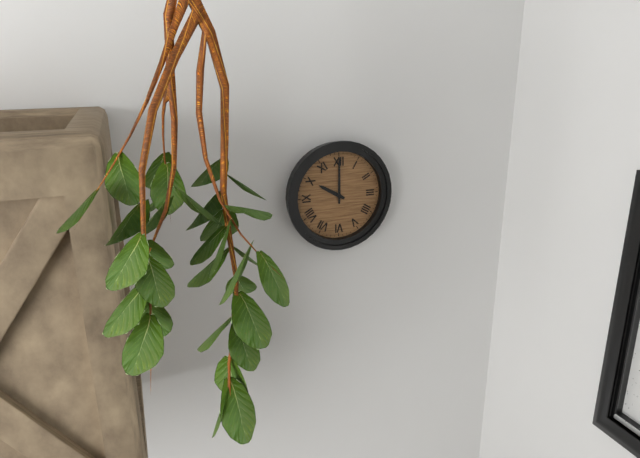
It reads h=10 m=0
